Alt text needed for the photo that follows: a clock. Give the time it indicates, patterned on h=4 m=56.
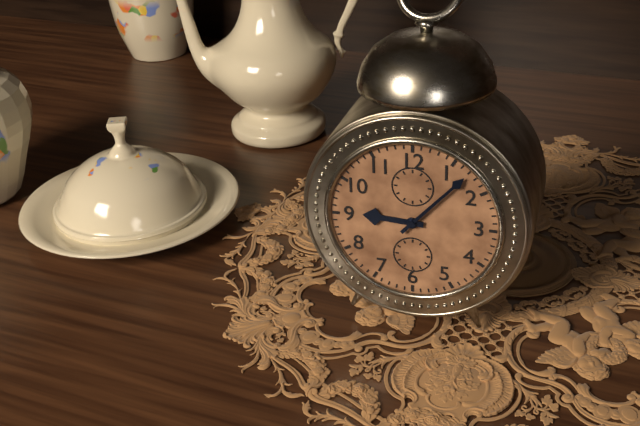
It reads h=9 m=7
